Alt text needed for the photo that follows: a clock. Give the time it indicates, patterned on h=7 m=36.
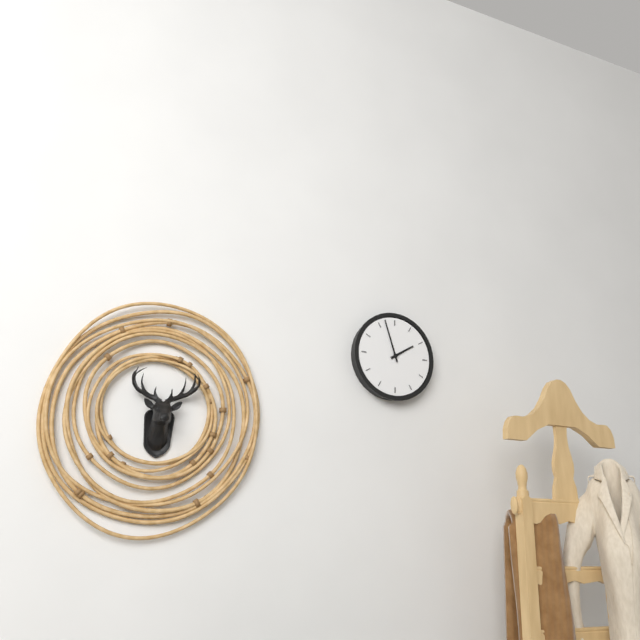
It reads h=1 m=57
